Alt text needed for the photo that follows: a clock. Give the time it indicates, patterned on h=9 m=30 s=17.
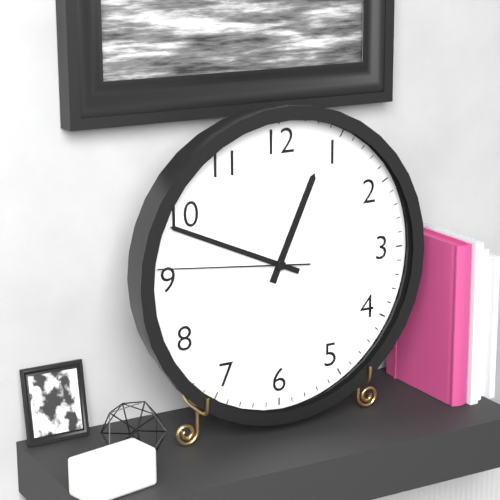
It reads h=12 m=49 s=46
